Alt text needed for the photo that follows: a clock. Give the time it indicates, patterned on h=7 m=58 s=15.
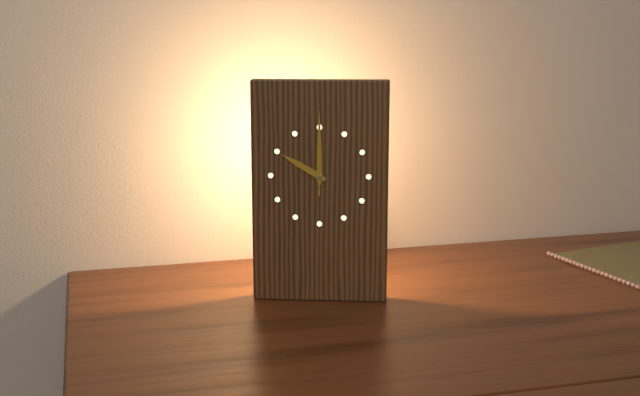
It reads h=10 m=0 s=0
